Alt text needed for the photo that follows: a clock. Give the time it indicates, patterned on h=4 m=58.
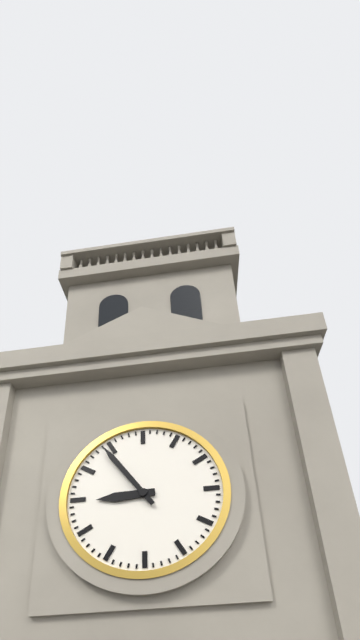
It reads h=8 m=54
